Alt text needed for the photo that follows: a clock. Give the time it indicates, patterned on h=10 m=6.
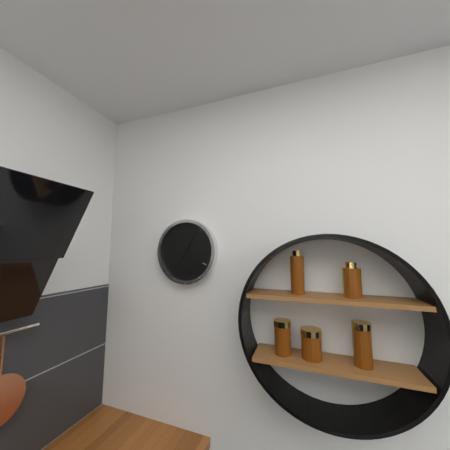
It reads h=7 m=5
